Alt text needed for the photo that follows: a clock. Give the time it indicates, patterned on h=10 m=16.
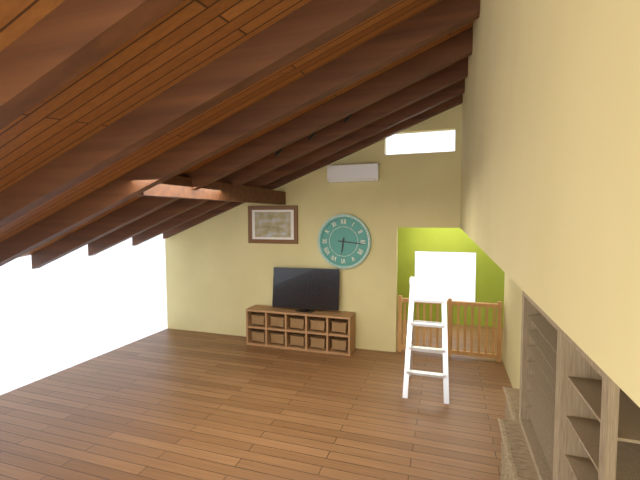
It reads h=6 m=16
